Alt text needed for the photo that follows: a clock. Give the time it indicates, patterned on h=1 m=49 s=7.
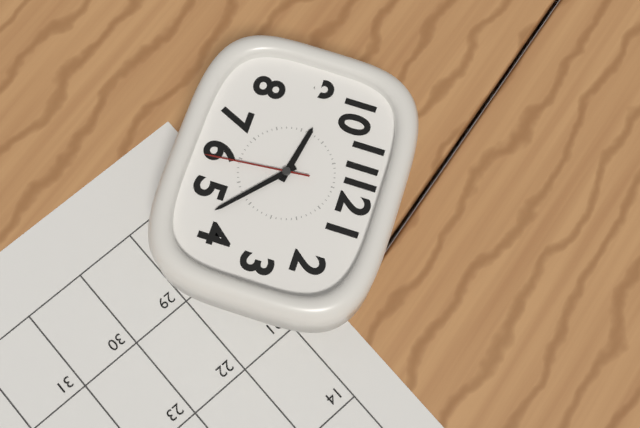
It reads h=9 m=22 s=29
